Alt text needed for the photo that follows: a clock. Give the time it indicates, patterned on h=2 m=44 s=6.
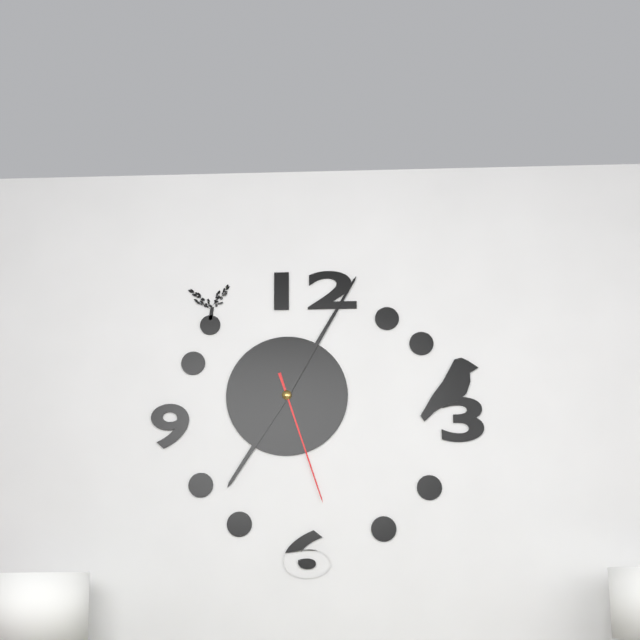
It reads h=7 m=5 s=27
